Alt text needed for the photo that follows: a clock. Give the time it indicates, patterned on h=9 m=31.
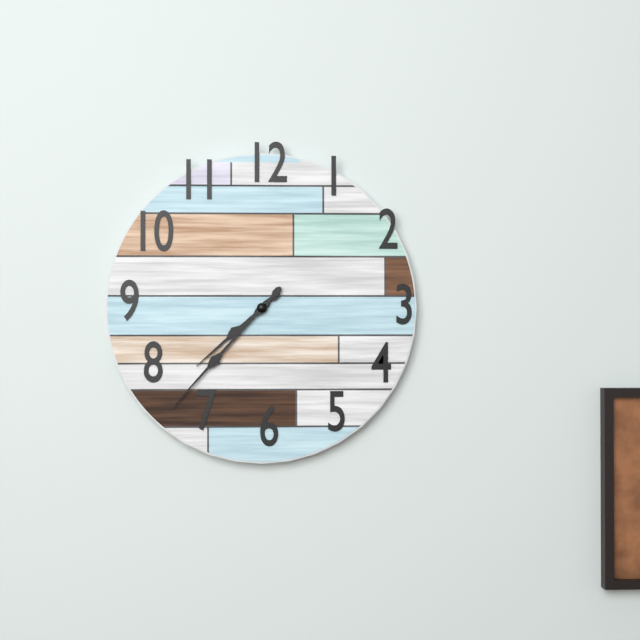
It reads h=7 m=37
